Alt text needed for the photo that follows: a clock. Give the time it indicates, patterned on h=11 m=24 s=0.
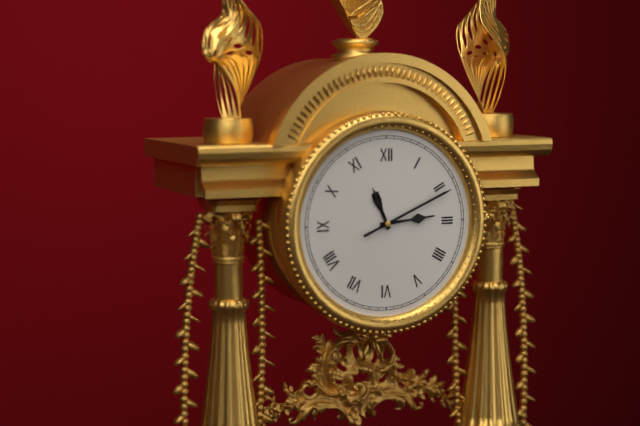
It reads h=11 m=14 s=11
